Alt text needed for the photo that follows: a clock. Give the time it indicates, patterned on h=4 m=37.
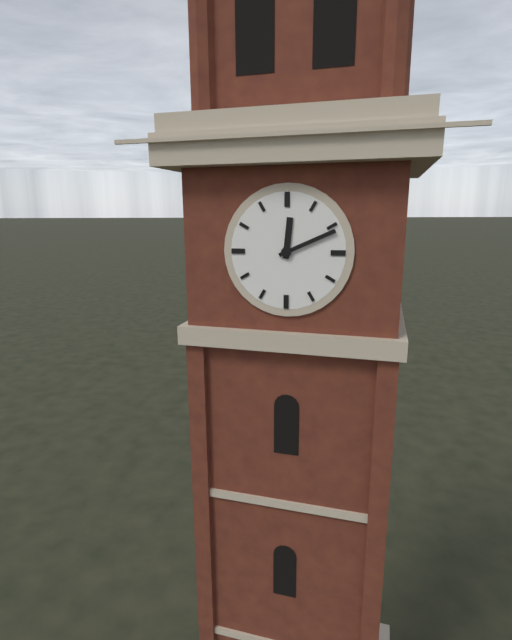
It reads h=12 m=11
